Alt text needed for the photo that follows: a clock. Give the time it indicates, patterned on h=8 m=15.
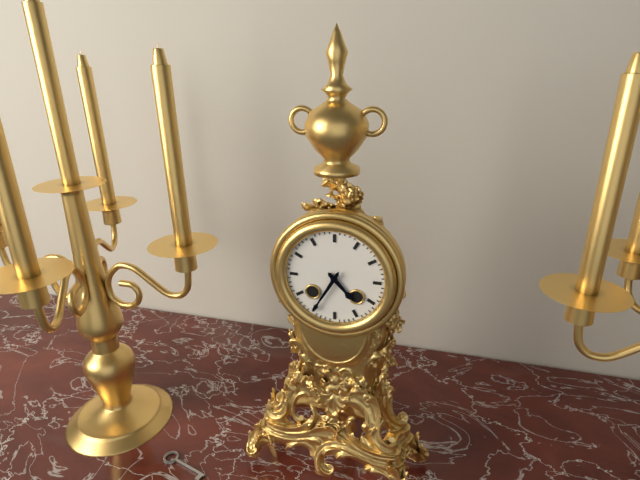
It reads h=4 m=35
